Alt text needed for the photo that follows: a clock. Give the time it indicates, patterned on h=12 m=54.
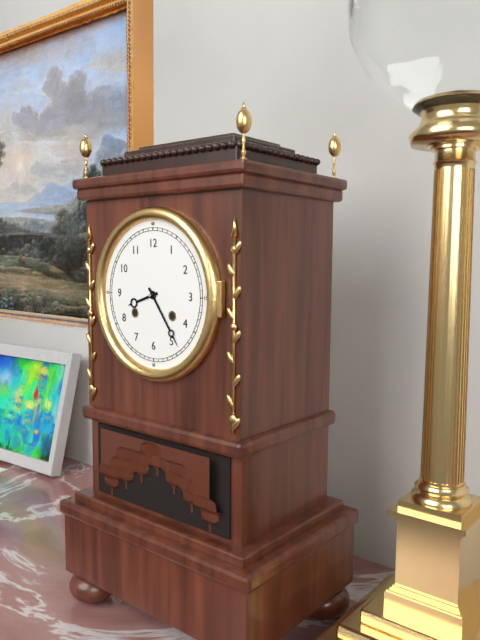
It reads h=8 m=24
